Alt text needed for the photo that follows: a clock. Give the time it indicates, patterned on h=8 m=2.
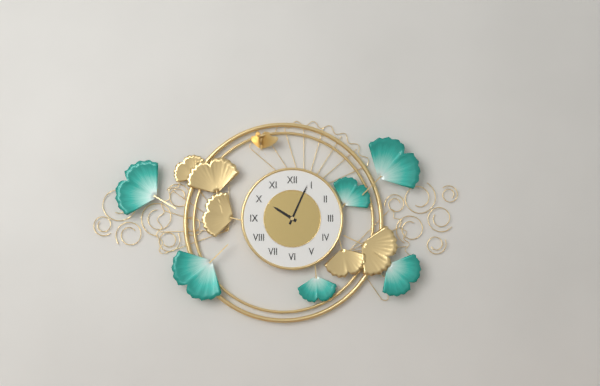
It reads h=10 m=4
